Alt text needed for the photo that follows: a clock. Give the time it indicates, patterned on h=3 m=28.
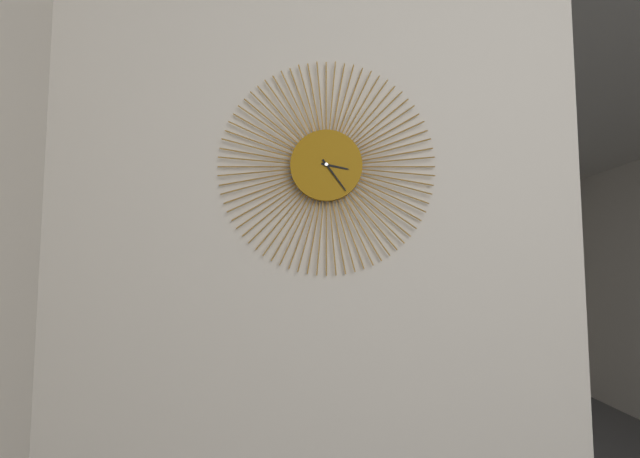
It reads h=3 m=24
